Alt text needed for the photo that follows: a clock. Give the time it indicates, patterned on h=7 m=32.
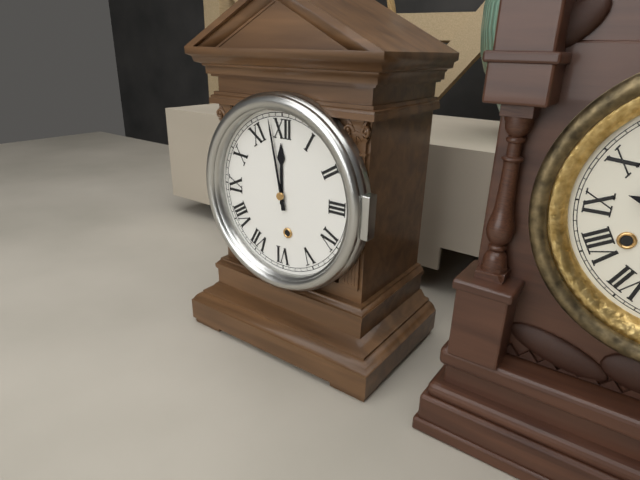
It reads h=11 m=58
